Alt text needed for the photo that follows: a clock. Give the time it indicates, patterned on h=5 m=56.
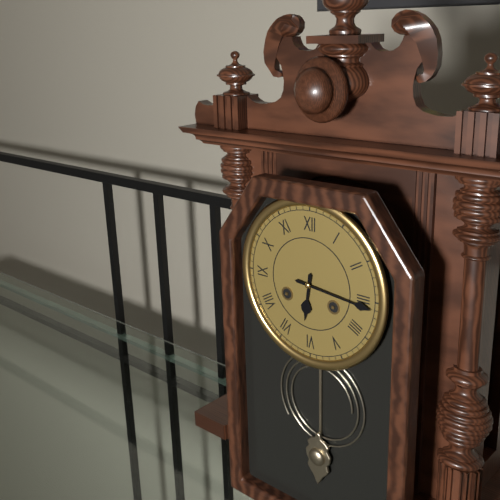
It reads h=6 m=16
